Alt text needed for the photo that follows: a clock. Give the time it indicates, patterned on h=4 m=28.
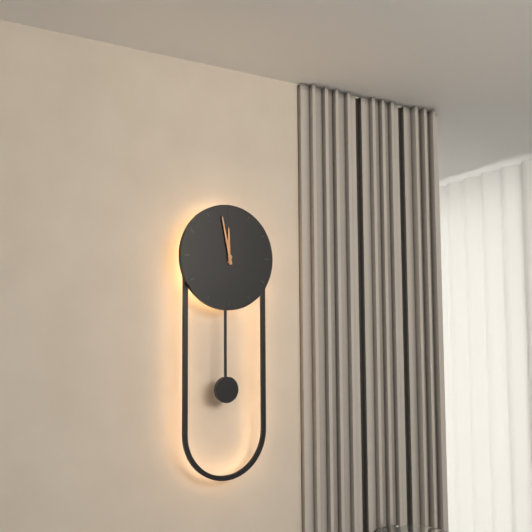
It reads h=11 m=58
